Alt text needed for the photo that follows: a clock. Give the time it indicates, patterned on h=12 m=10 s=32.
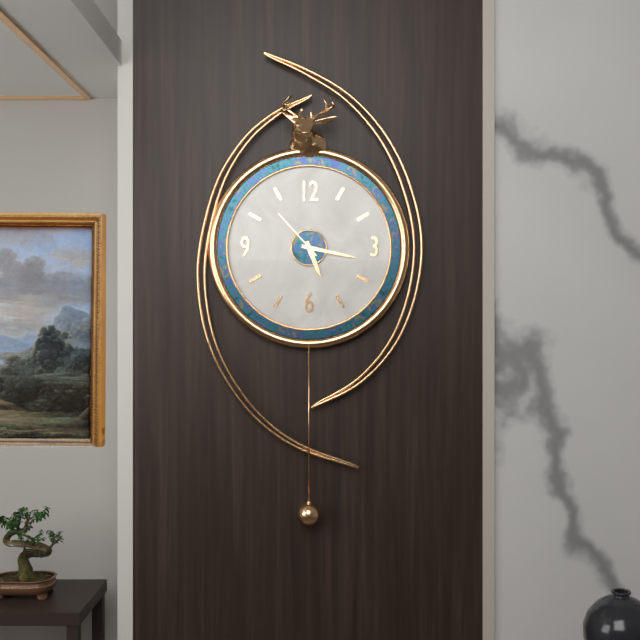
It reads h=5 m=17 s=53
